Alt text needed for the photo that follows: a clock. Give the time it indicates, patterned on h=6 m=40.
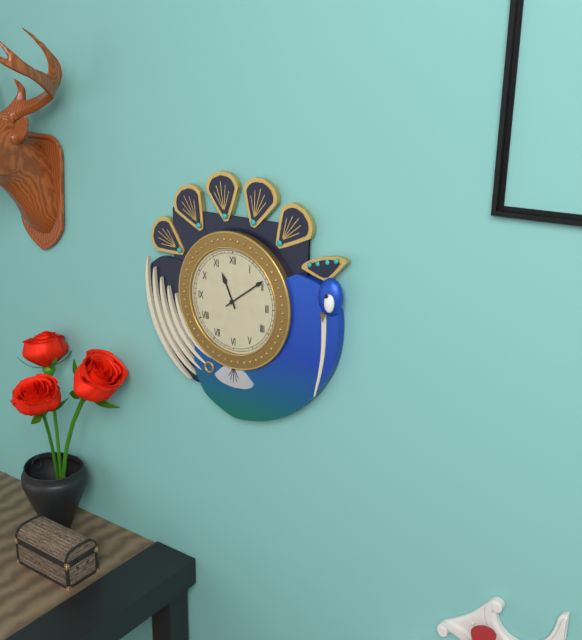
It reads h=11 m=9
